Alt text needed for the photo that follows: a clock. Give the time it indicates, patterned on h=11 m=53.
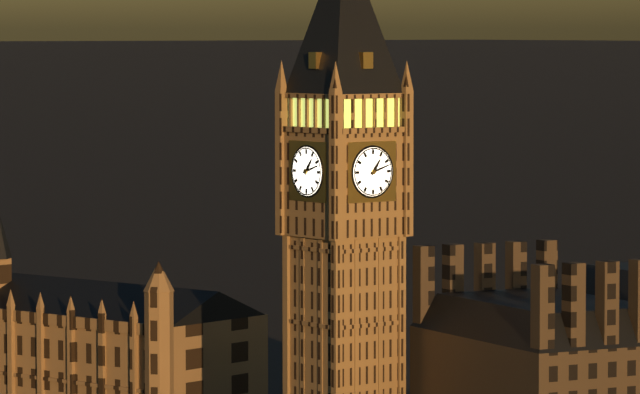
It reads h=1 m=12
